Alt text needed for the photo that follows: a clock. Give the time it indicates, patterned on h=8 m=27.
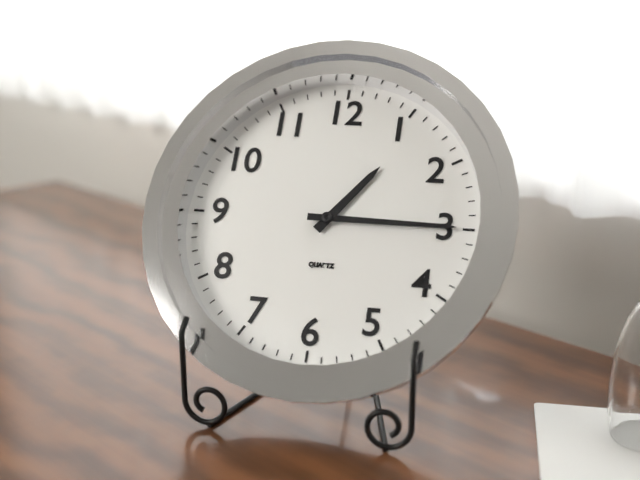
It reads h=1 m=15
